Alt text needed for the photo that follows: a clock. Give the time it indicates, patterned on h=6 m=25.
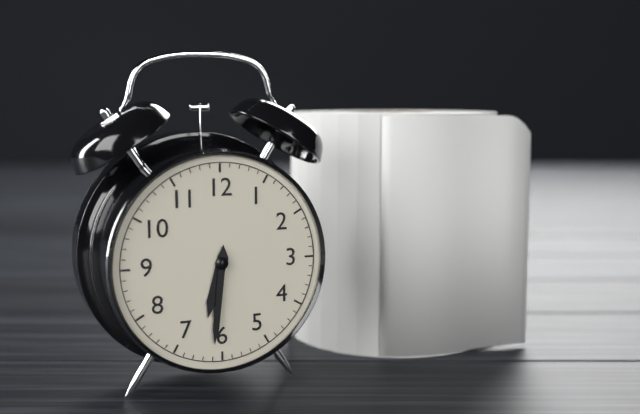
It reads h=6 m=31
